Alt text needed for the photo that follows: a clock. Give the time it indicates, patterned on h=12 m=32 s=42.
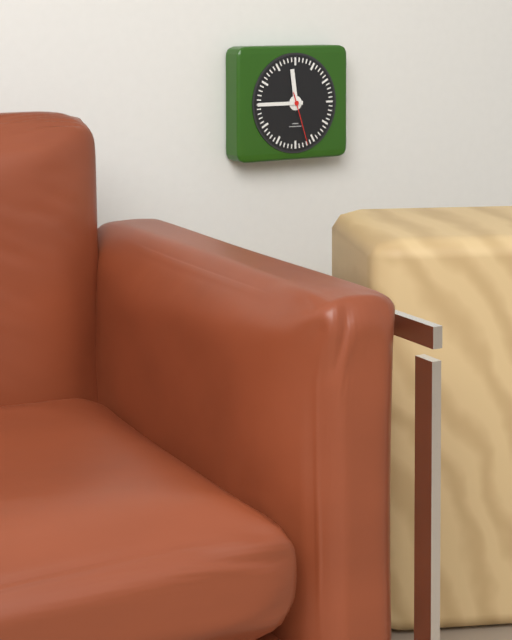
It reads h=11 m=45 s=27
